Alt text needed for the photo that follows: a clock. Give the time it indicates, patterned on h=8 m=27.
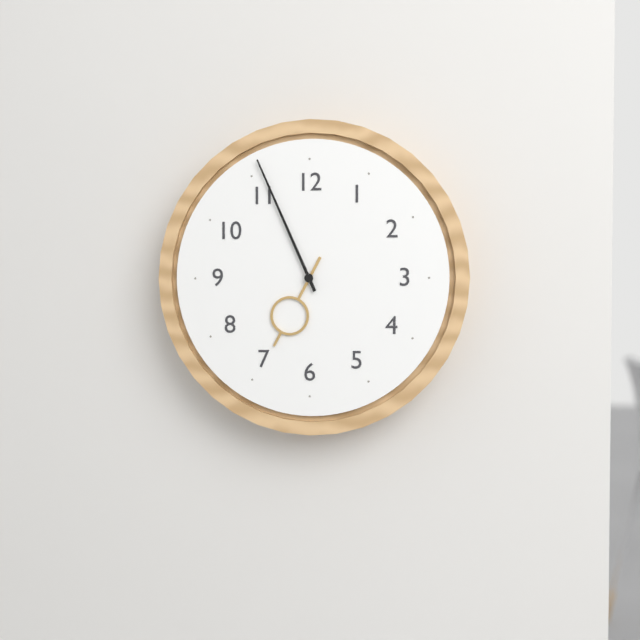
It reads h=6 m=56
